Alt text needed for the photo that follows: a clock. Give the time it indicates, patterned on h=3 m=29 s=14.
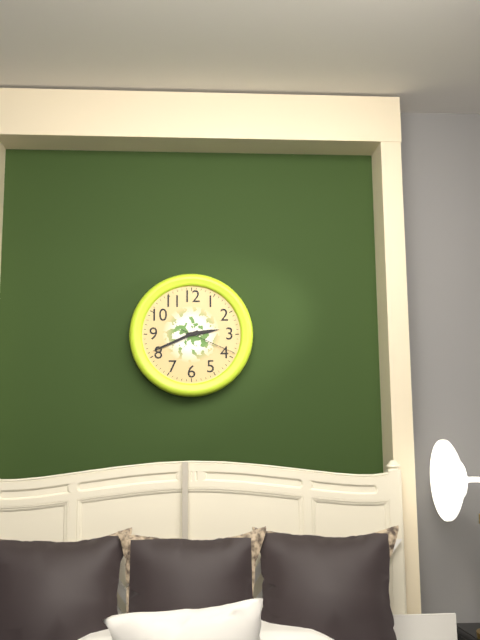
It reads h=2 m=41 s=19
